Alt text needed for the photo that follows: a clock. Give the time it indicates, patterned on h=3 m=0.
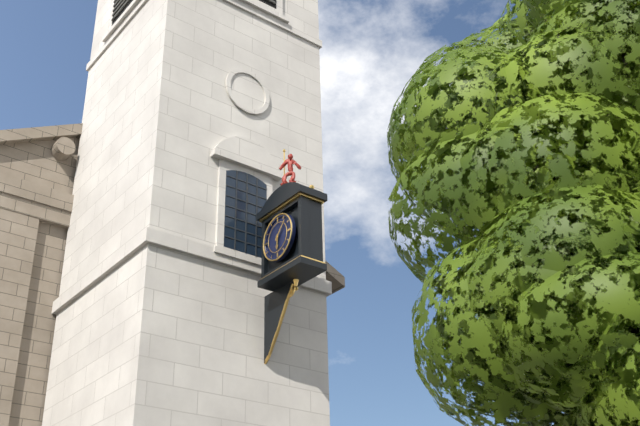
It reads h=6 m=7
